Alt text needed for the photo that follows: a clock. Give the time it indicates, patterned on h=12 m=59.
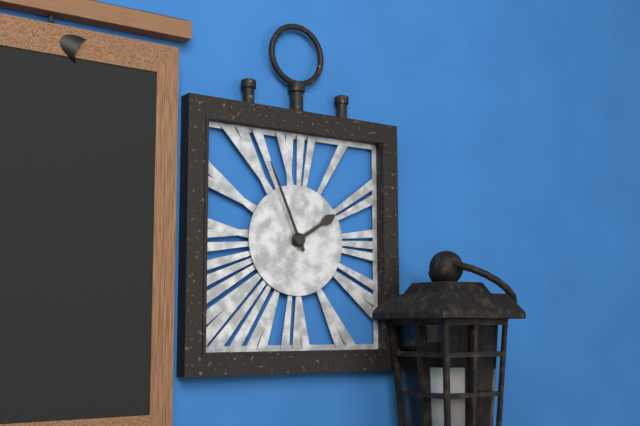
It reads h=1 m=56
